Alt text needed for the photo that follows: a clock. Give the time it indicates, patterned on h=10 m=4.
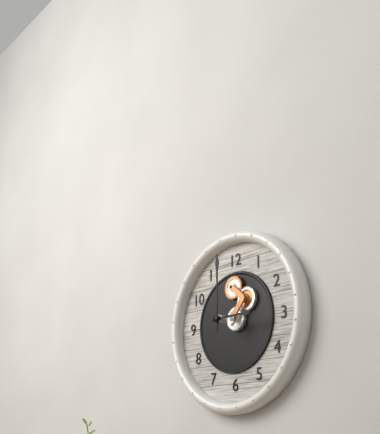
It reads h=3 m=0
